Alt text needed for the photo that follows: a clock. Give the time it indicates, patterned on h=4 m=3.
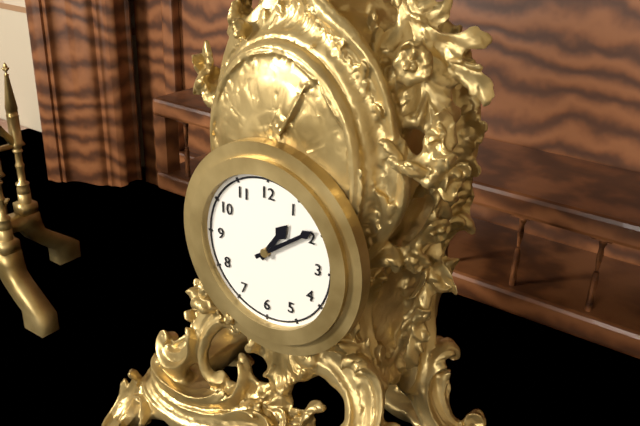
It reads h=1 m=9
